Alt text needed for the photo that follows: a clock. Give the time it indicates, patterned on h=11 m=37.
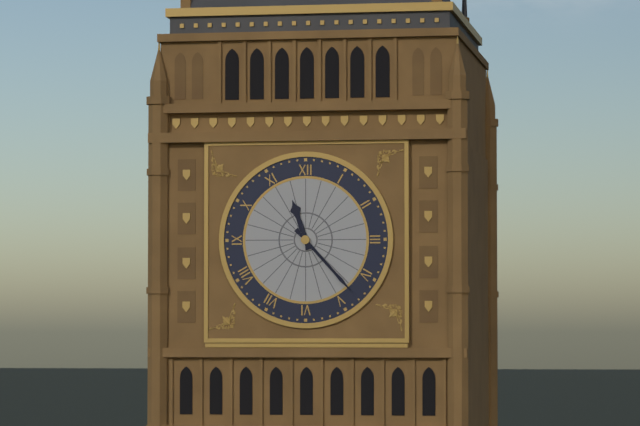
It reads h=11 m=23
